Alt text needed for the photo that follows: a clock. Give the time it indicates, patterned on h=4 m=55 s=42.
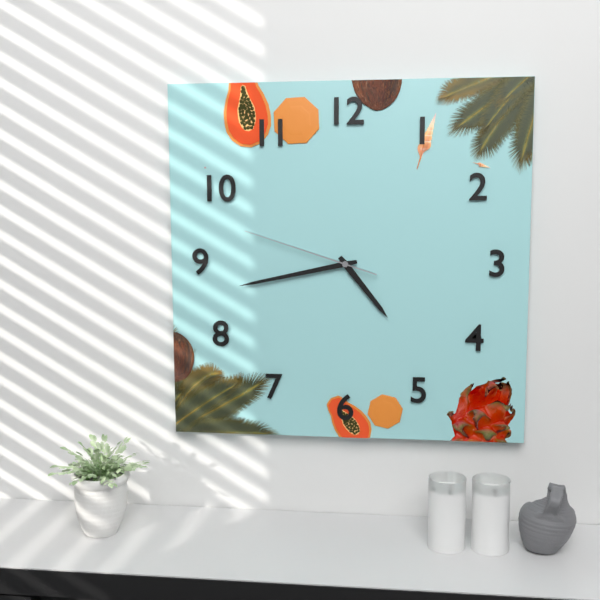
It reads h=4 m=43 s=48
